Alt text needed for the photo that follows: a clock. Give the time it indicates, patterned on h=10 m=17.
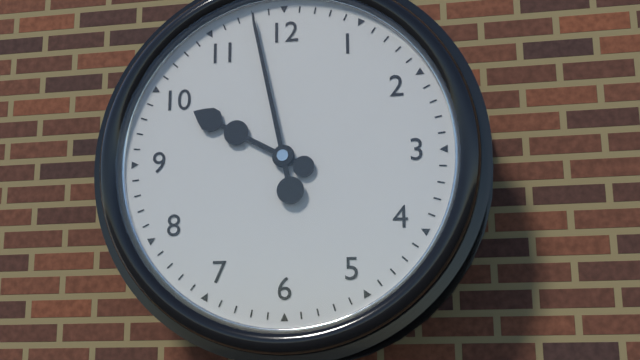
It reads h=9 m=58
